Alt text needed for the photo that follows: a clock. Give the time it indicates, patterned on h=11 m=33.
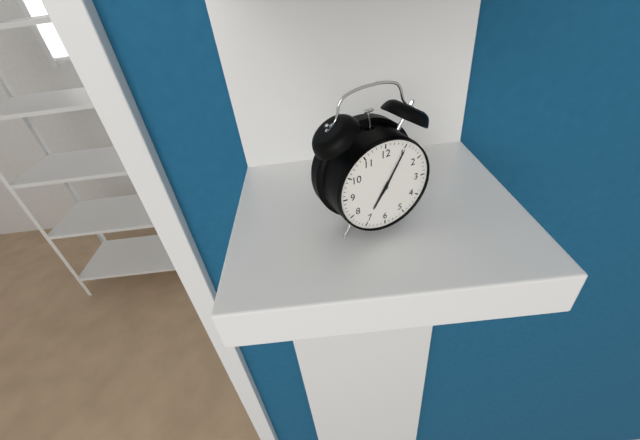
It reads h=7 m=5
